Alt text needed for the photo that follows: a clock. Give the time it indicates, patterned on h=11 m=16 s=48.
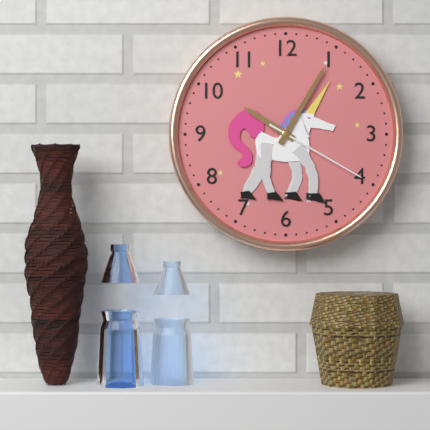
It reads h=10 m=5 s=20
